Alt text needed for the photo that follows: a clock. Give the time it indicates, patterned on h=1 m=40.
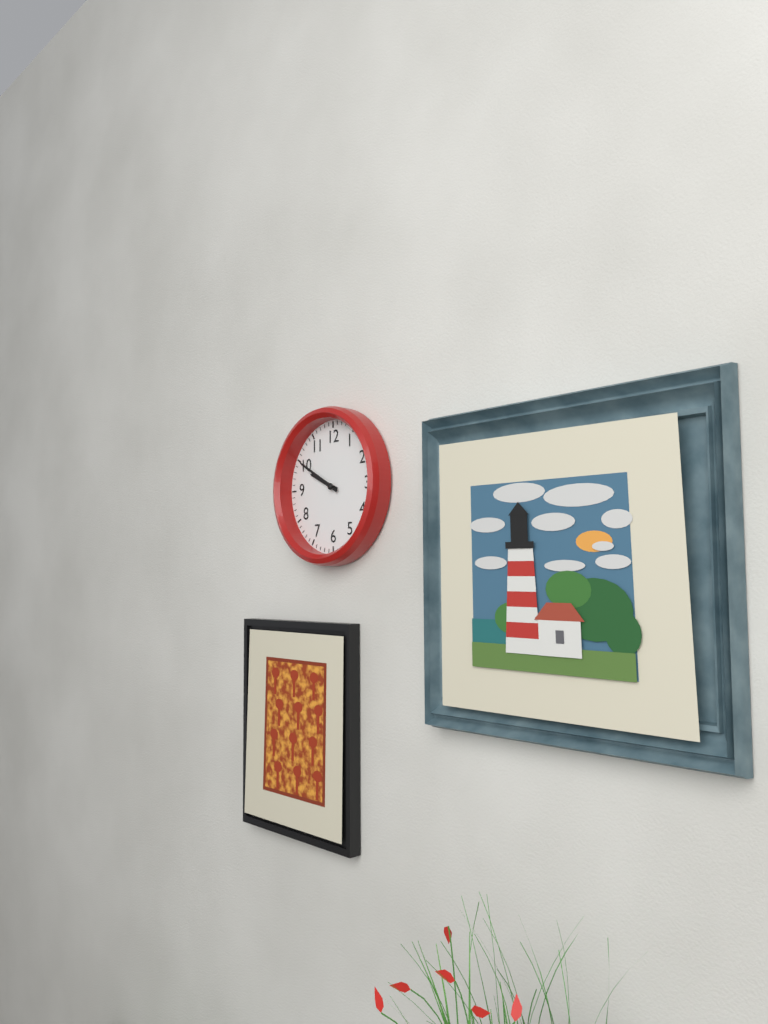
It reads h=9 m=50
